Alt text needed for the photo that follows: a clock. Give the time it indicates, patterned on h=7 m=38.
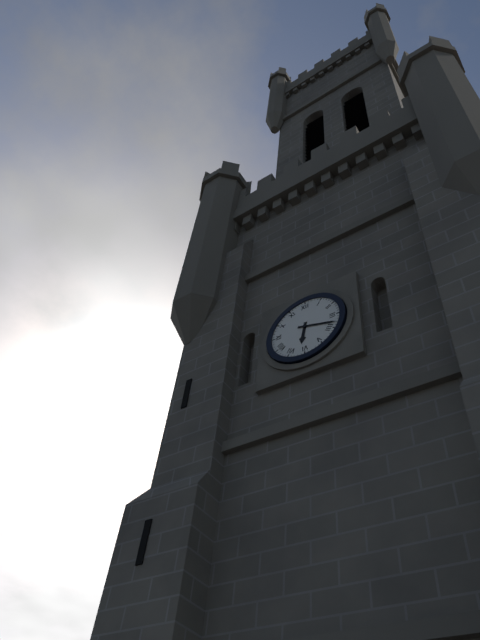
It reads h=6 m=18
